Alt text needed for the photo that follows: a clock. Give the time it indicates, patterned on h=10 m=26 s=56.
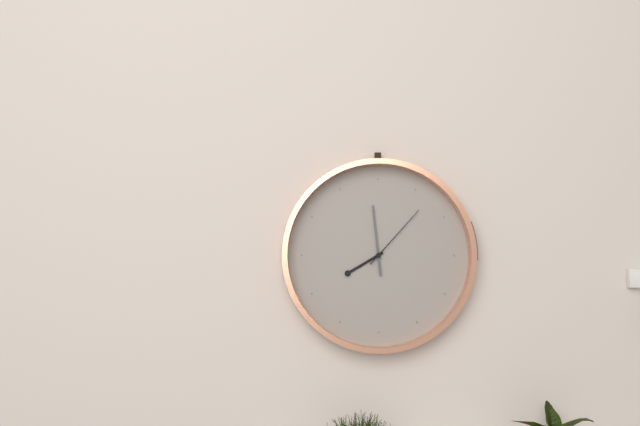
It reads h=7 m=59 s=7
